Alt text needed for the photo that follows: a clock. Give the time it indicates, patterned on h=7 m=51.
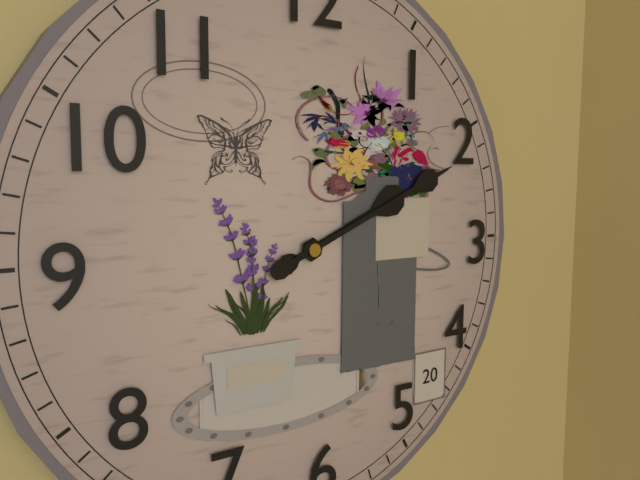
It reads h=2 m=11
